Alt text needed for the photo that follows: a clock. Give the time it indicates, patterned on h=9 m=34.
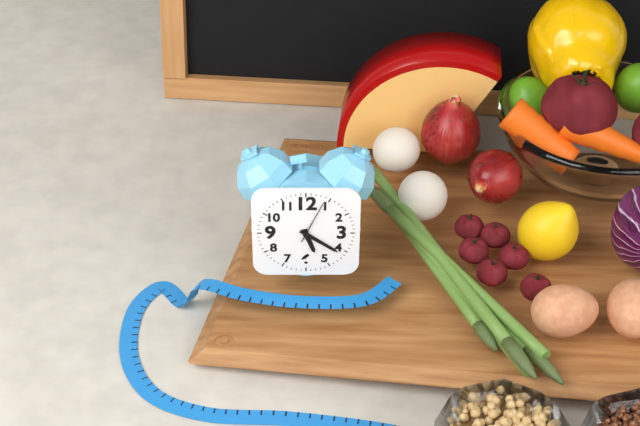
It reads h=5 m=21
